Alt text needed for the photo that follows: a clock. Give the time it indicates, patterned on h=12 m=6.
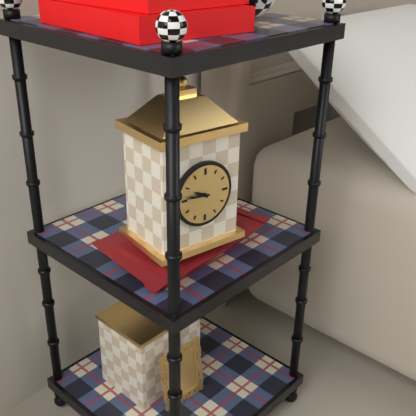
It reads h=9 m=46
